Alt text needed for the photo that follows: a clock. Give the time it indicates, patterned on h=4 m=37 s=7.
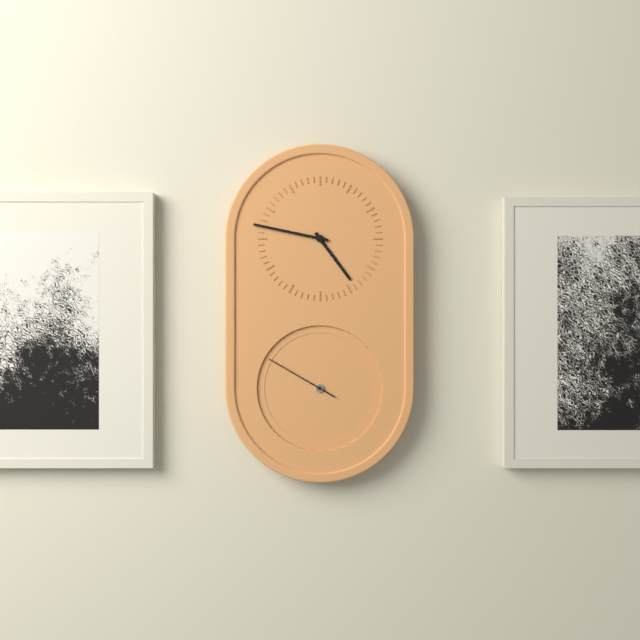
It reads h=4 m=47 s=50
